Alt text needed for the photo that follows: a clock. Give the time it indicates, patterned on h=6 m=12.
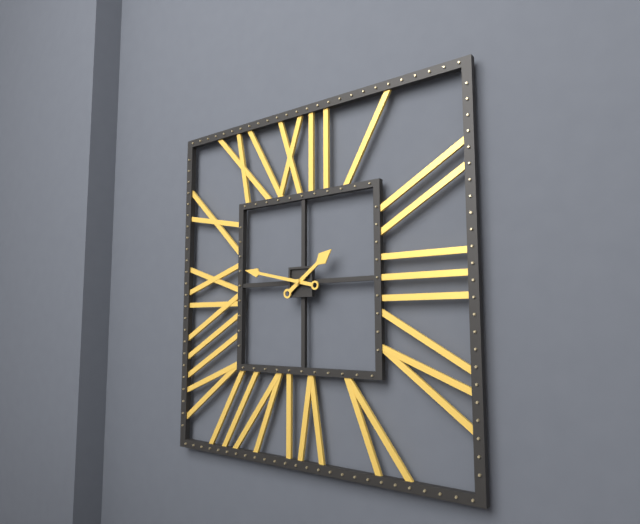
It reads h=1 m=47
